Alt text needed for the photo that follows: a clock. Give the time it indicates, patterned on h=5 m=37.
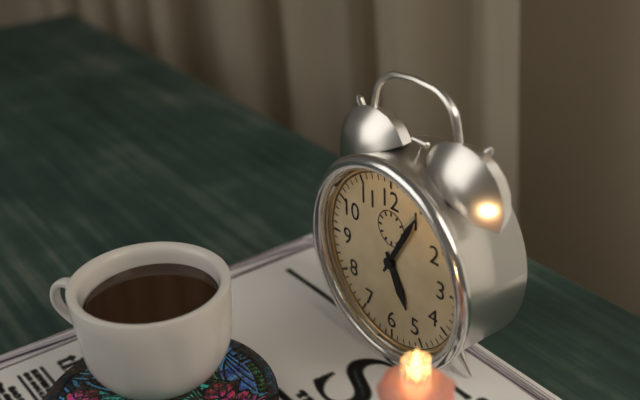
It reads h=5 m=5
